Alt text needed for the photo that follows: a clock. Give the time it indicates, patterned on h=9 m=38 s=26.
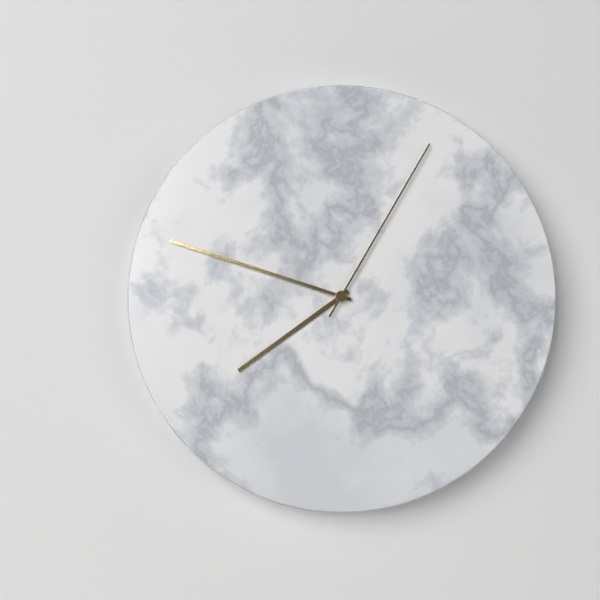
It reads h=7 m=48 s=5
